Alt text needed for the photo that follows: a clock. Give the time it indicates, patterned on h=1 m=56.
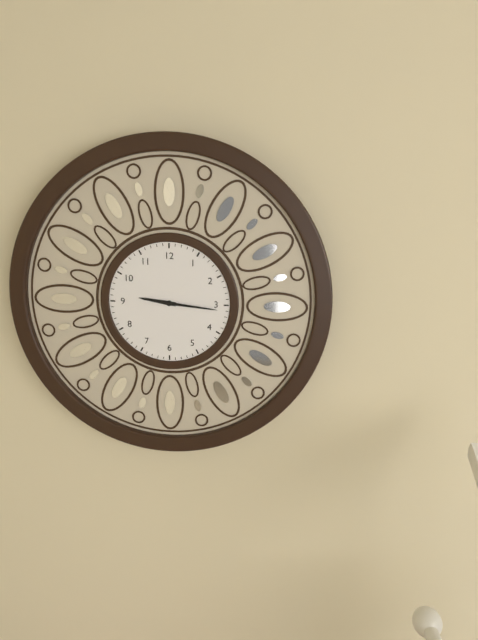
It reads h=9 m=16
